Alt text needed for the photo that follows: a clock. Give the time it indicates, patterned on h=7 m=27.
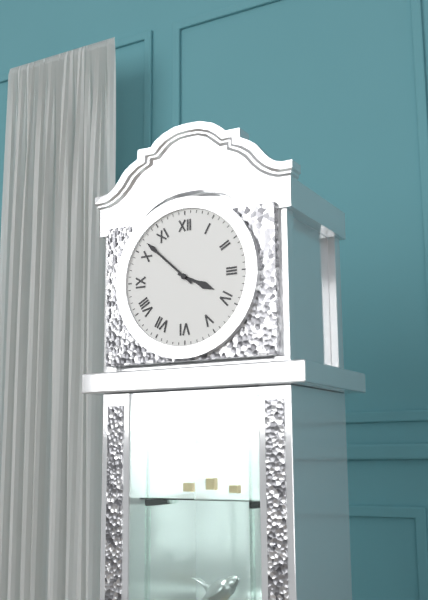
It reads h=3 m=52
